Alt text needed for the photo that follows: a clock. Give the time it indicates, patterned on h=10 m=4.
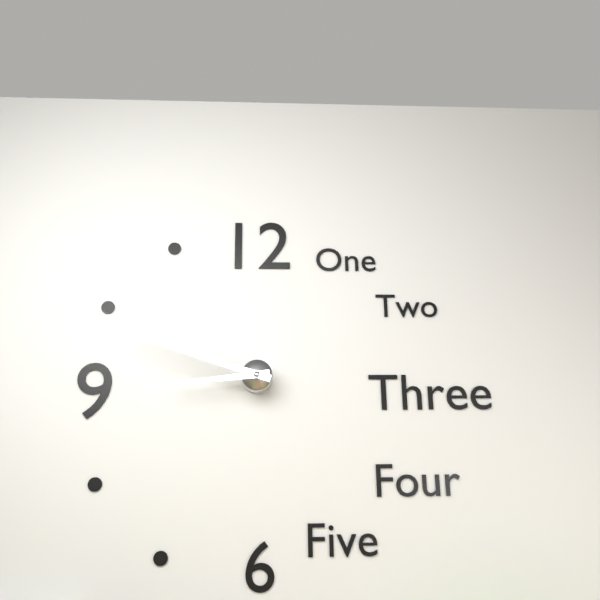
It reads h=8 m=48
